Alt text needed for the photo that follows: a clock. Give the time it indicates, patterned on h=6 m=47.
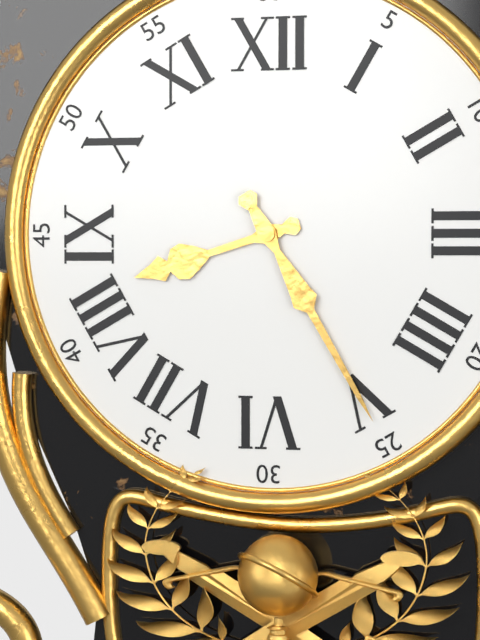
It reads h=8 m=25
